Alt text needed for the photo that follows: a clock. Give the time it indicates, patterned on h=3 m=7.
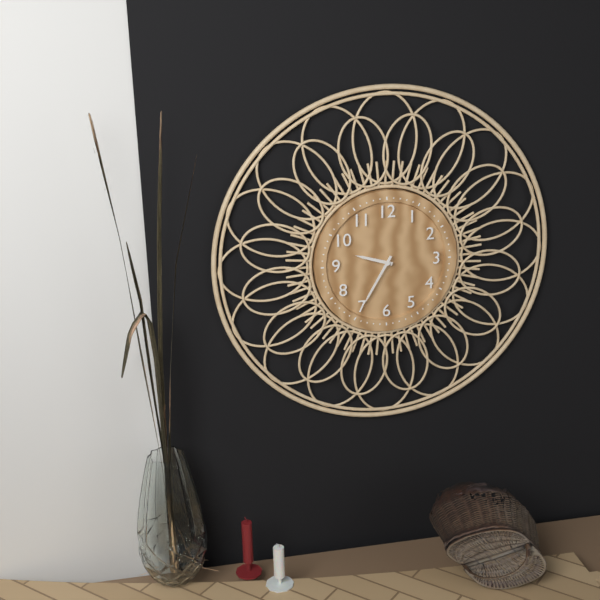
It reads h=9 m=35
